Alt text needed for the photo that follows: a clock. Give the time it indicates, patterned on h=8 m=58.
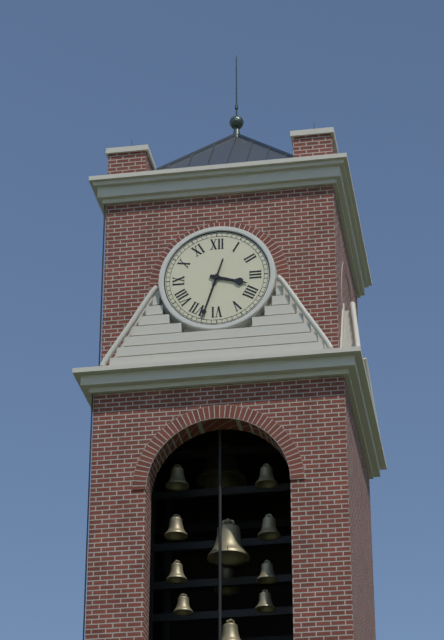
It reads h=3 m=33
